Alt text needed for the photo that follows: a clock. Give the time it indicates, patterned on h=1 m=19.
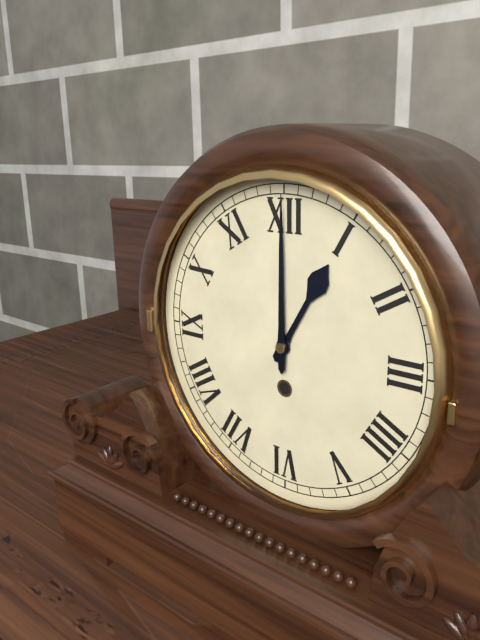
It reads h=1 m=0
